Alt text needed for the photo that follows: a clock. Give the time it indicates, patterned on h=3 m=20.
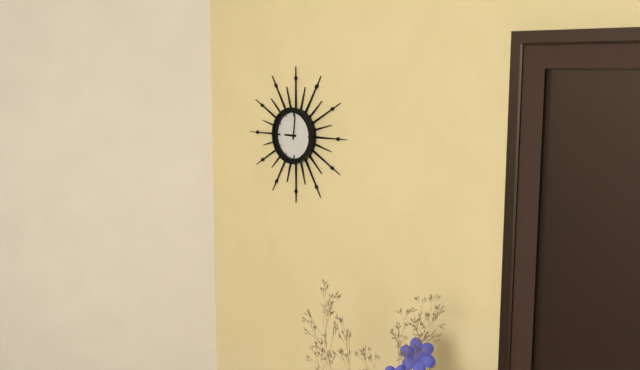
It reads h=9 m=1
